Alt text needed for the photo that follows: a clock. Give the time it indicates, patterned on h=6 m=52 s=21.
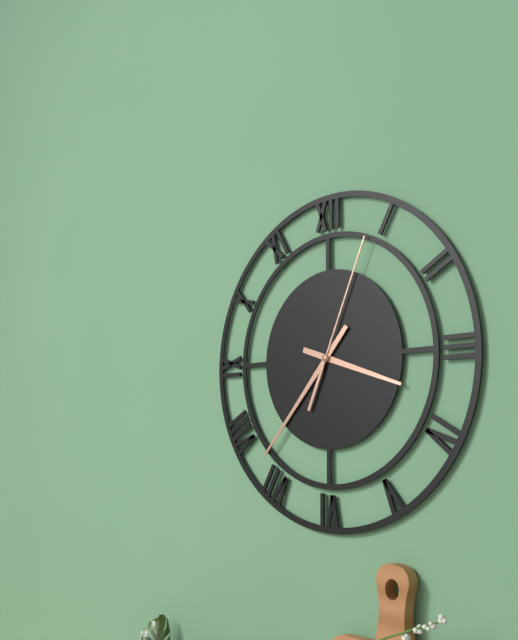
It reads h=3 m=37 s=4
